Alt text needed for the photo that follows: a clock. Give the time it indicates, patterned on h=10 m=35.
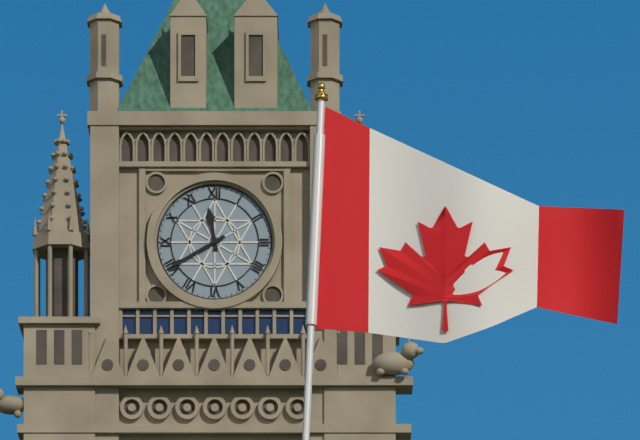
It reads h=11 m=40
